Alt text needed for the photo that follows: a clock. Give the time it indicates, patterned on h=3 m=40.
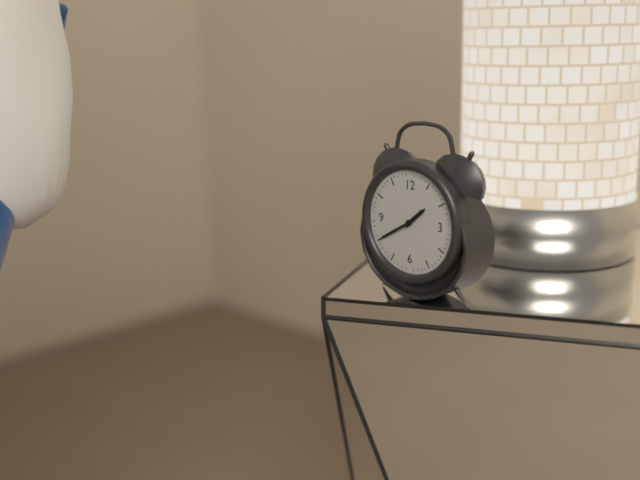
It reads h=1 m=40
